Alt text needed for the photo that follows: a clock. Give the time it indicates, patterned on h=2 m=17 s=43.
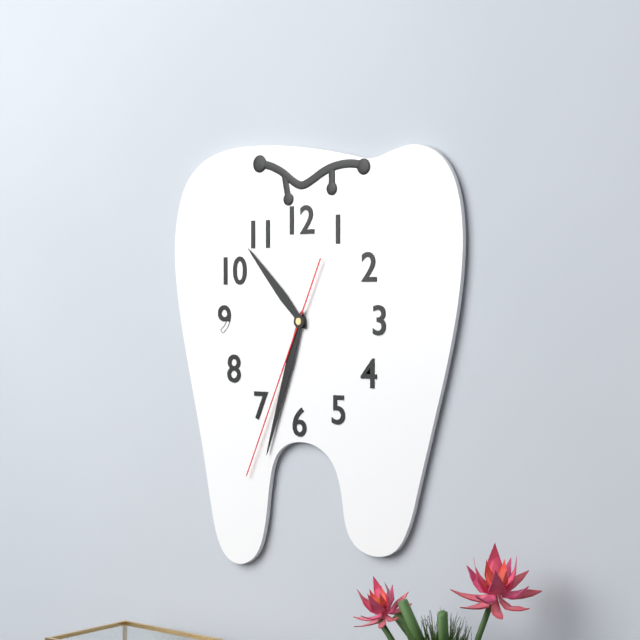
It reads h=10 m=33 s=34
